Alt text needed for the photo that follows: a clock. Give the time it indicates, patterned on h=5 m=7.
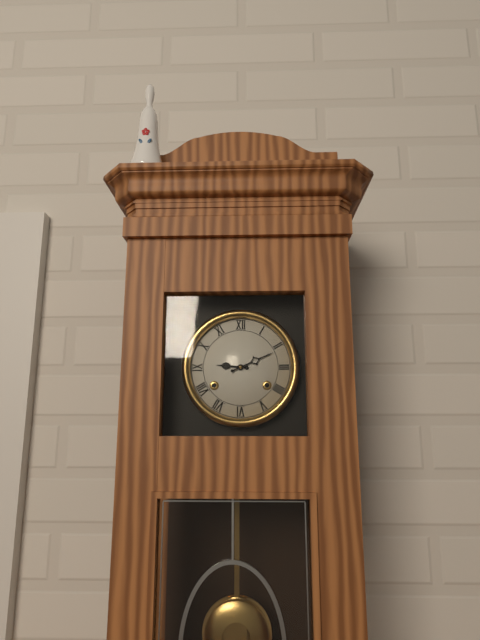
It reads h=9 m=11
